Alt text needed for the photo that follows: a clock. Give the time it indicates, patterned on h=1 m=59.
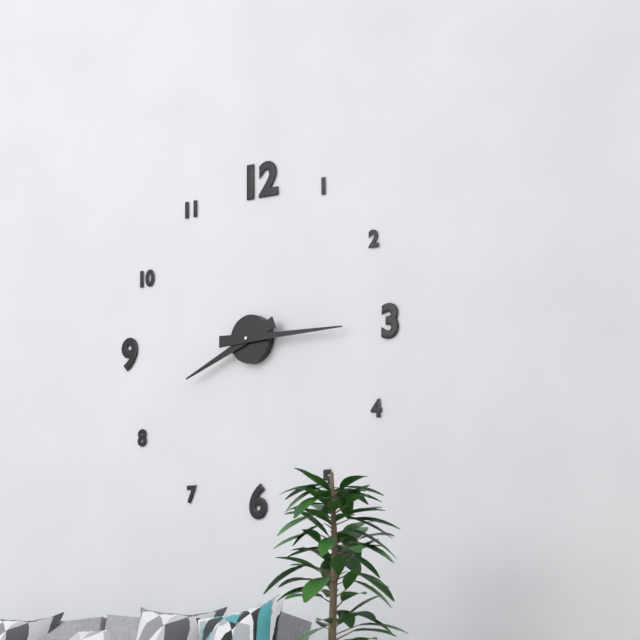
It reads h=8 m=15
